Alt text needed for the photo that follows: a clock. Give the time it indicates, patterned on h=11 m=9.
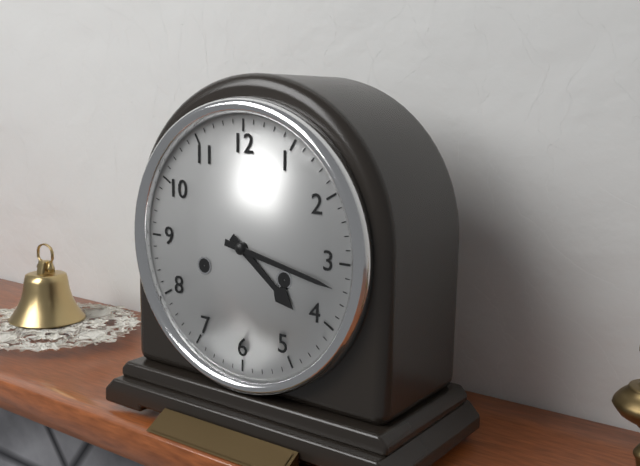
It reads h=4 m=17
